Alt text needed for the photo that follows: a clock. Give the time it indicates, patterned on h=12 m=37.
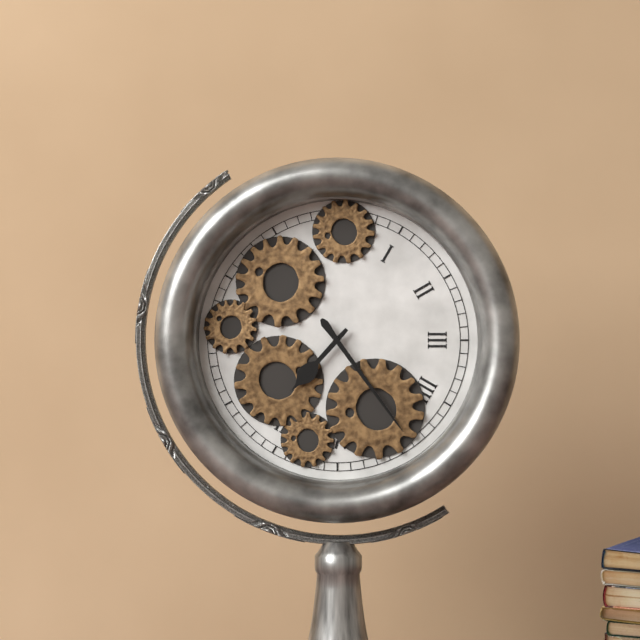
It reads h=7 m=24
